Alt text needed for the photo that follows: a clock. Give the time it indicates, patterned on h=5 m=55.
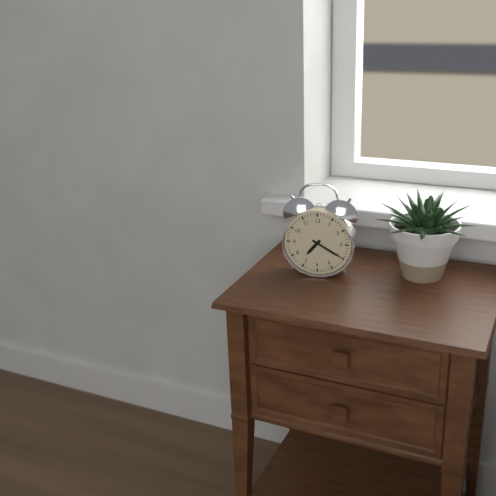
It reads h=7 m=20
